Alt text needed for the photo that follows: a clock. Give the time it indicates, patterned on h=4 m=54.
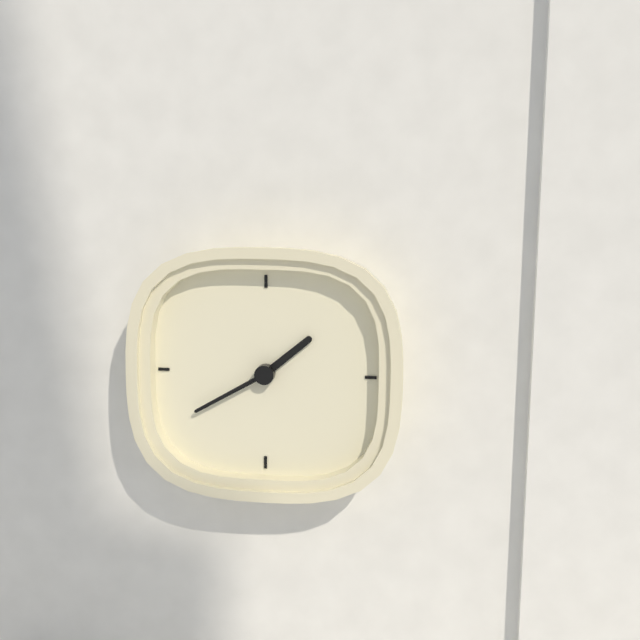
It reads h=1 m=40
